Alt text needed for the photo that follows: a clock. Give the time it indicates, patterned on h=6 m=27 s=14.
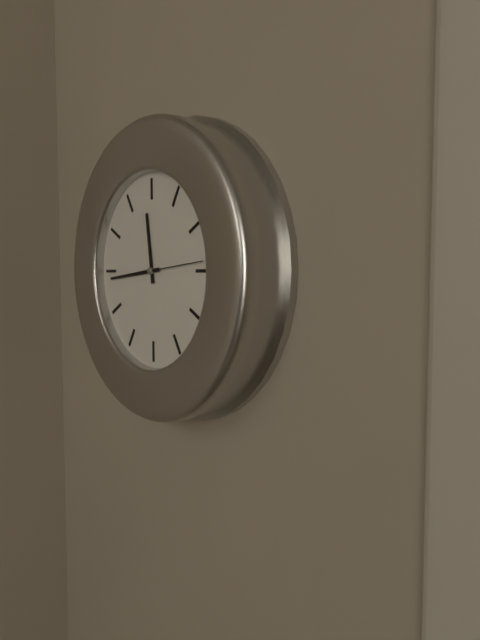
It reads h=11 m=44 s=14
